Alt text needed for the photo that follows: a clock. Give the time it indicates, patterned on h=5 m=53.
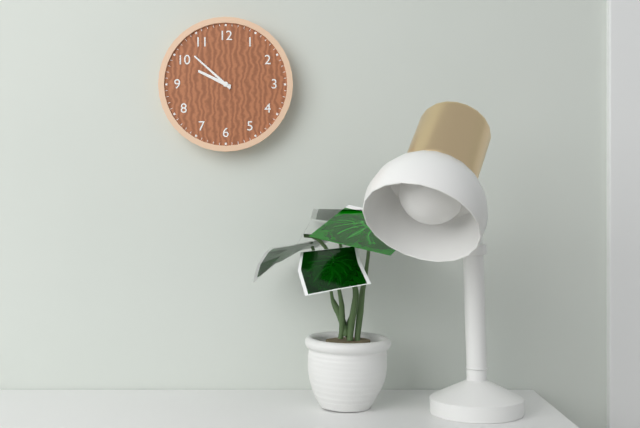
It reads h=9 m=52
